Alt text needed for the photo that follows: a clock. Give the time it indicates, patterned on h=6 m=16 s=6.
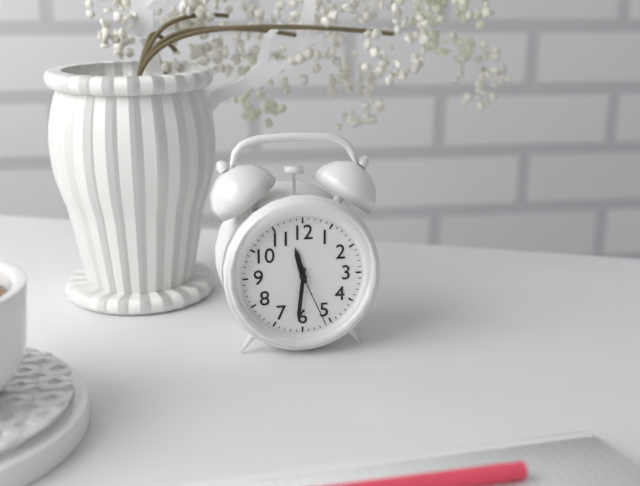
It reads h=11 m=31 s=26
